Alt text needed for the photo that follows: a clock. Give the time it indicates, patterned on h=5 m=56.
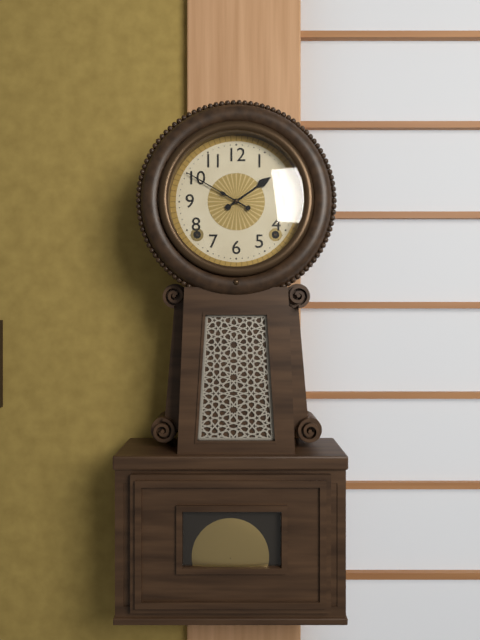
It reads h=1 m=50
